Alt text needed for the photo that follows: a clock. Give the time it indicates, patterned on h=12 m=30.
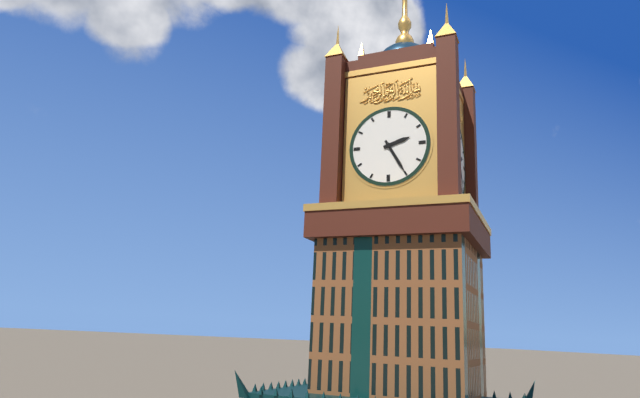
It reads h=2 m=25
